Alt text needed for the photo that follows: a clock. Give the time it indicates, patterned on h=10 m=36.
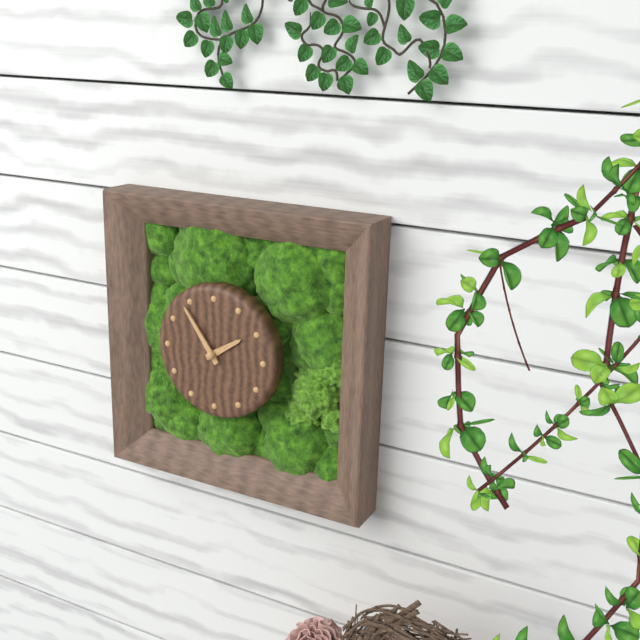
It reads h=1 m=54
